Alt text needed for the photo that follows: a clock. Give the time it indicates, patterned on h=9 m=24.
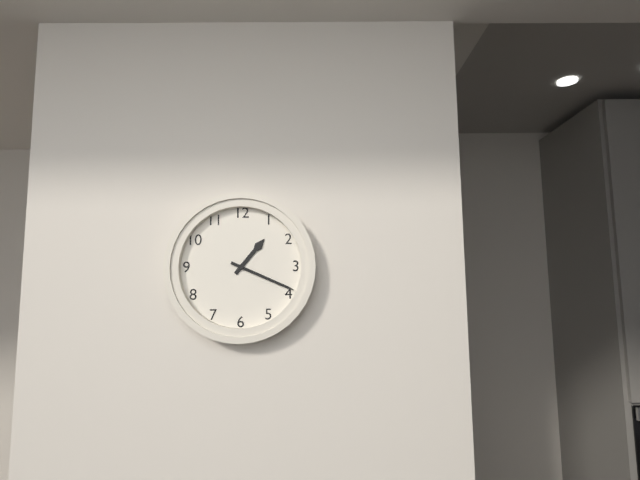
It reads h=1 m=19
